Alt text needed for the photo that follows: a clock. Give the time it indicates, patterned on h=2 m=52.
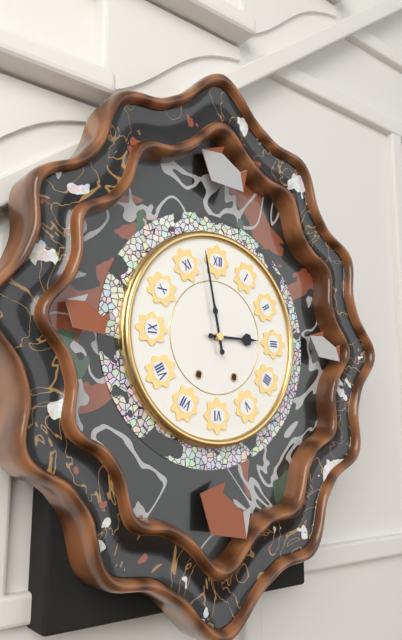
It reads h=2 m=58
